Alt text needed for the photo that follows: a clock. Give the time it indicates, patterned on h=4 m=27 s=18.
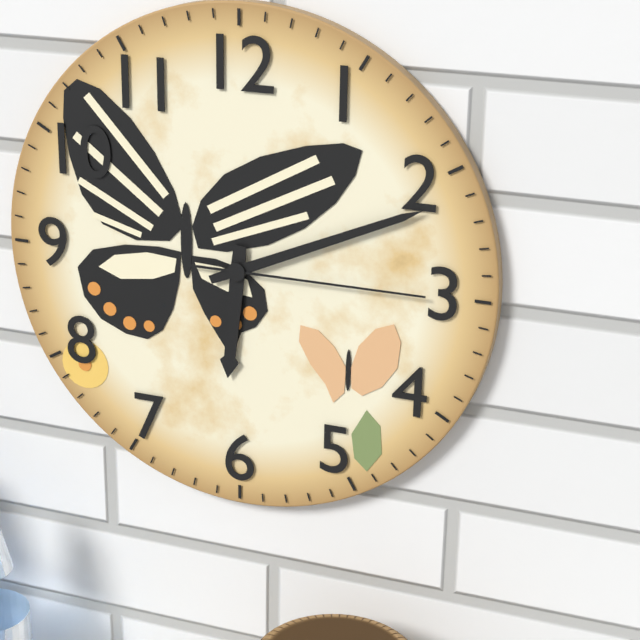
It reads h=6 m=11 s=15
